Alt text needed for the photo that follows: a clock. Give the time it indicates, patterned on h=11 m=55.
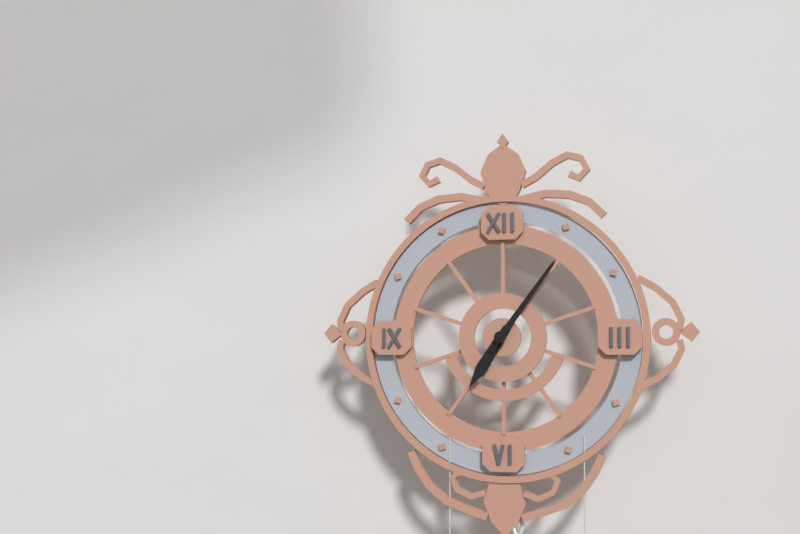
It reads h=7 m=6
